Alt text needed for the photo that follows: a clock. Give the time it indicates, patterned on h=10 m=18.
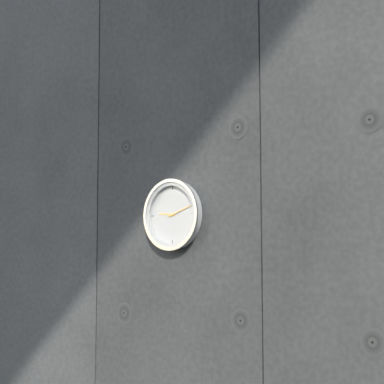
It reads h=9 m=12
